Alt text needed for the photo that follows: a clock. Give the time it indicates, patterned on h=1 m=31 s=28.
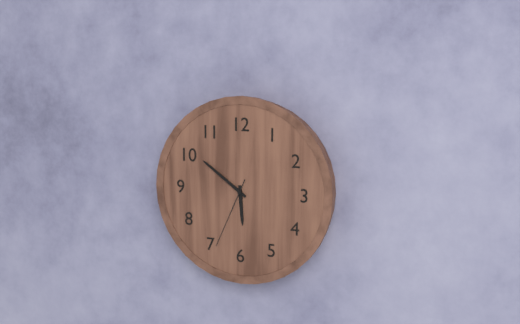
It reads h=5 m=51 s=34
